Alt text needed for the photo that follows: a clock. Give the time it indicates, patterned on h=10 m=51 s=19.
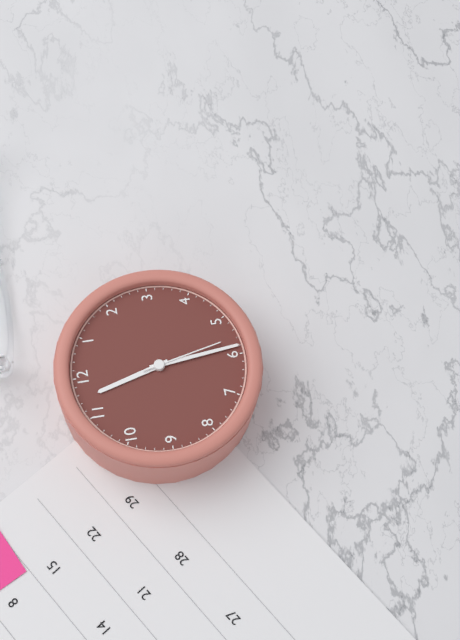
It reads h=11 m=29 s=28
